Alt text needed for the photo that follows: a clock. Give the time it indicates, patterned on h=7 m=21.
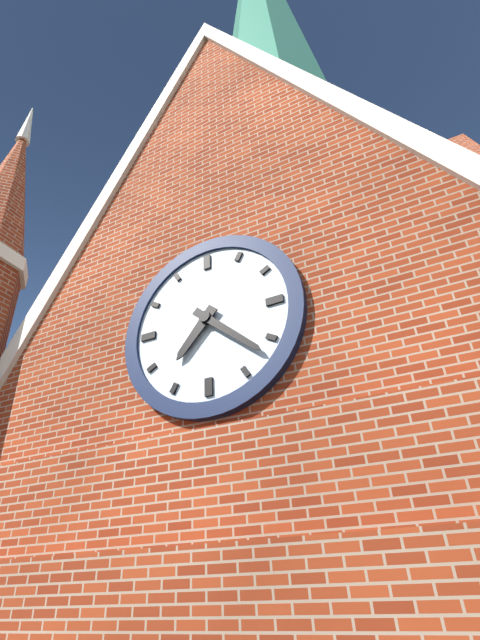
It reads h=7 m=22
